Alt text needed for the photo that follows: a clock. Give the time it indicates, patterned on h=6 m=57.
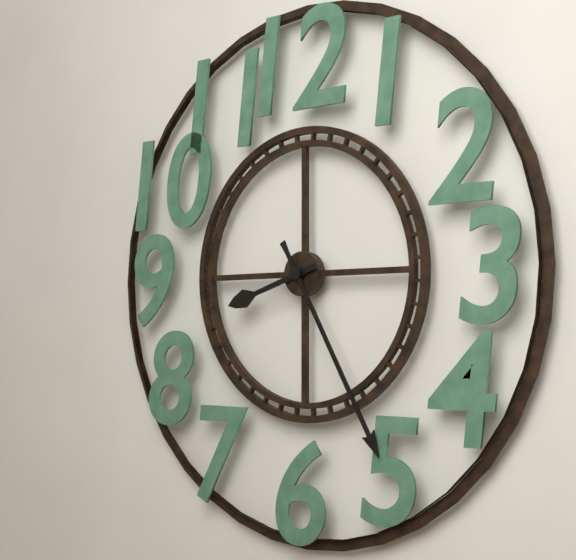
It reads h=8 m=25
